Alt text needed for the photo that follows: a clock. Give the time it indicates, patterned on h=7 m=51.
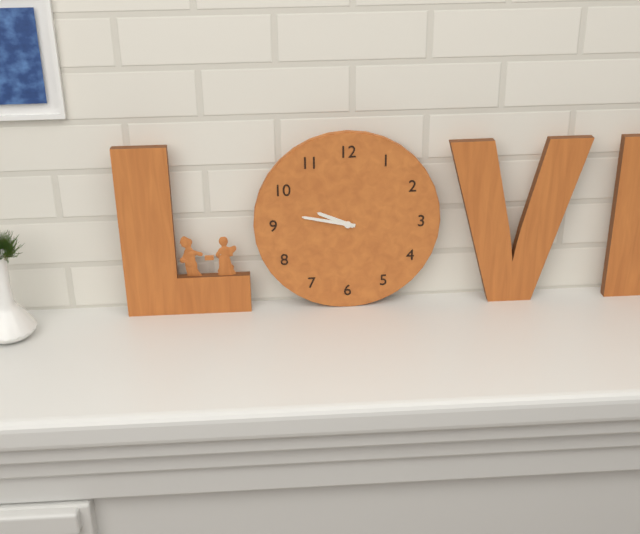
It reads h=9 m=47
